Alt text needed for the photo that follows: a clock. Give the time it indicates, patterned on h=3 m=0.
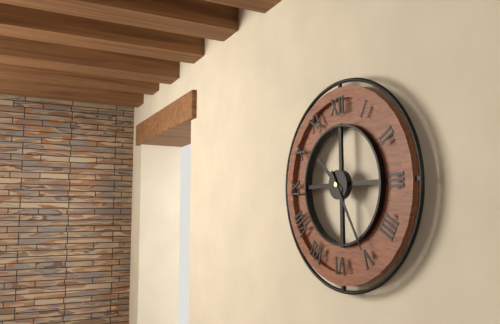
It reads h=10 m=25
